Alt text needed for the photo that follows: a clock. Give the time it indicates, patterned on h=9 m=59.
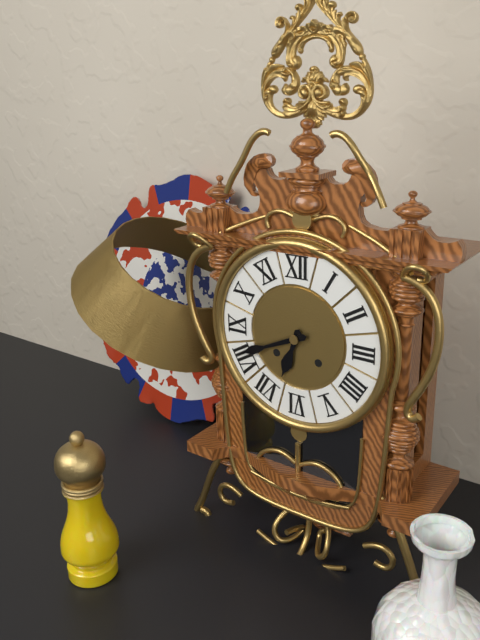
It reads h=6 m=41
